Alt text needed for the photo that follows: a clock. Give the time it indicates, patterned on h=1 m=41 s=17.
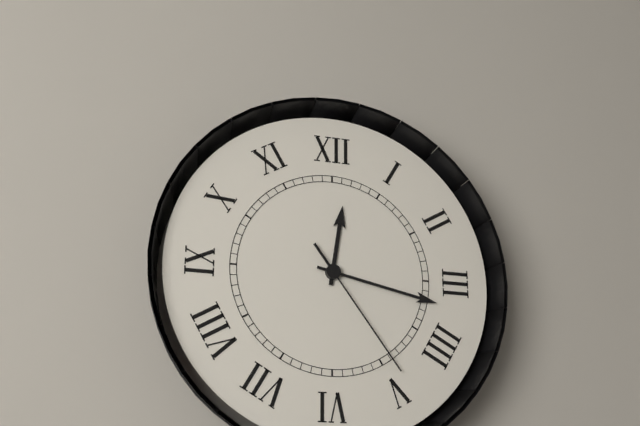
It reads h=12 m=17 s=24
